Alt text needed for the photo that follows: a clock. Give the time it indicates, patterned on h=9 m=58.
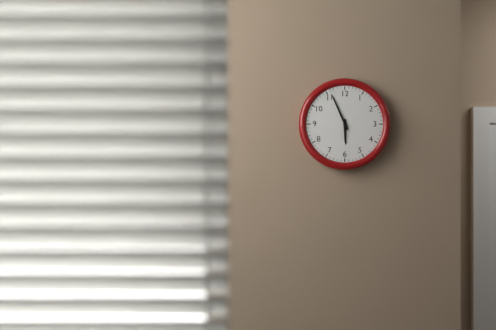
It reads h=5 m=56
